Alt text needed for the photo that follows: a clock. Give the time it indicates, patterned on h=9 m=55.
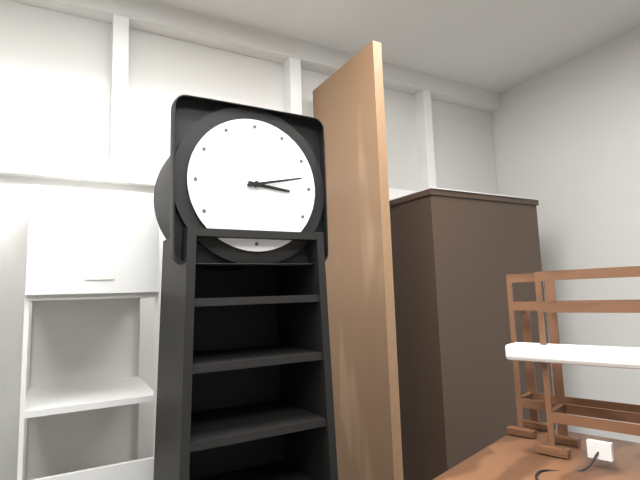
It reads h=3 m=13
